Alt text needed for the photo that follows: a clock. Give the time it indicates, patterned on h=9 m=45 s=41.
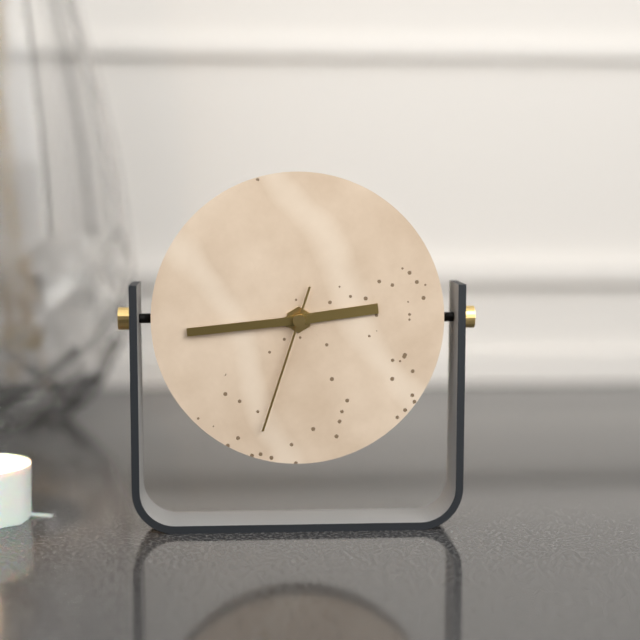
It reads h=2 m=44 s=33
